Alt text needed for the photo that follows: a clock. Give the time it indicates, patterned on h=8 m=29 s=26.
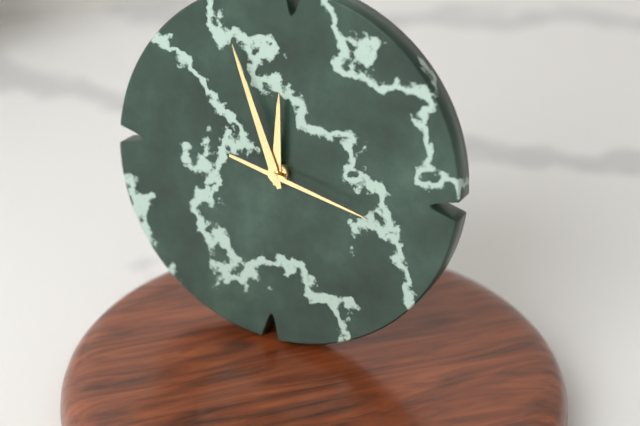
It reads h=11 m=56 s=17
